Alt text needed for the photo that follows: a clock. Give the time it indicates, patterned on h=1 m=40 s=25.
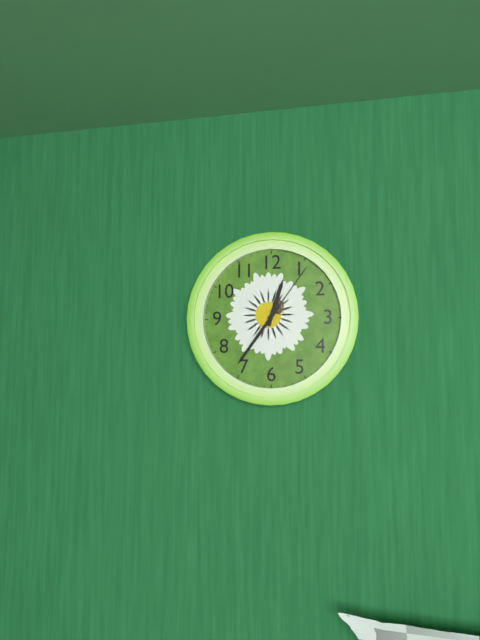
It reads h=12 m=36 s=6
